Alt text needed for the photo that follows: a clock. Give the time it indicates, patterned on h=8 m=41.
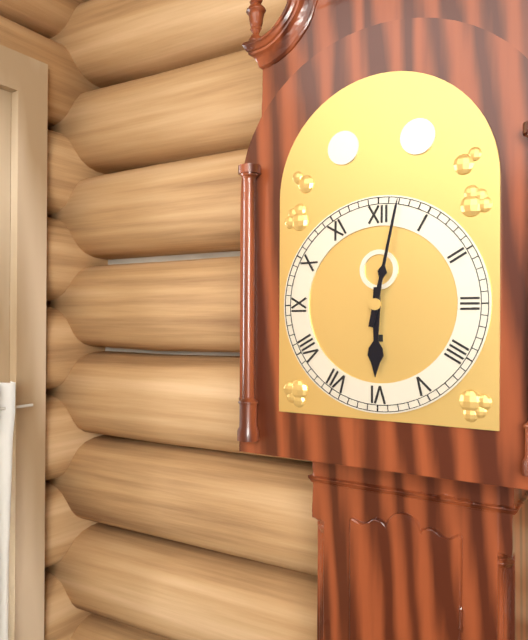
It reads h=6 m=2
